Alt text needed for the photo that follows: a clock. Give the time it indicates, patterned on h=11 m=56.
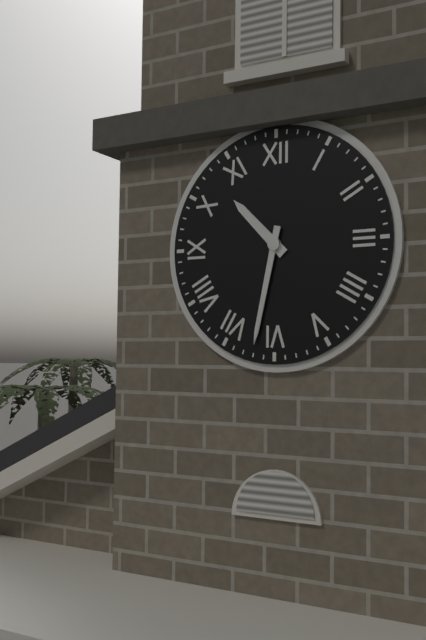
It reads h=10 m=32
